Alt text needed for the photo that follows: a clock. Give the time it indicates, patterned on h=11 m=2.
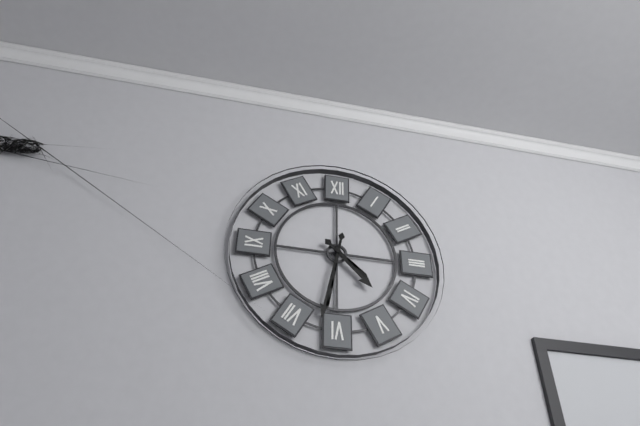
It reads h=4 m=32
